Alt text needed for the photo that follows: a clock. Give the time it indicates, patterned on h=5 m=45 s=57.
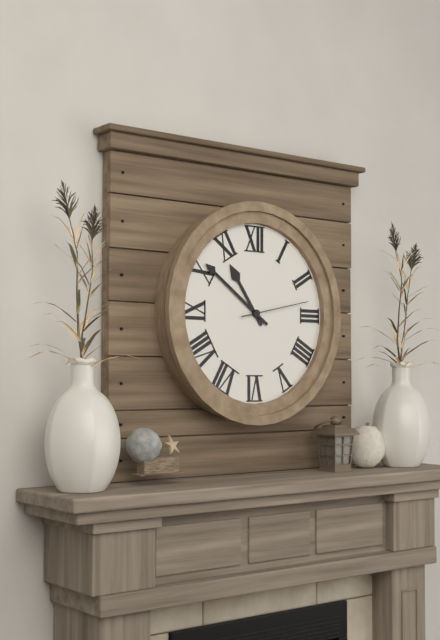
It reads h=10 m=51 s=13
